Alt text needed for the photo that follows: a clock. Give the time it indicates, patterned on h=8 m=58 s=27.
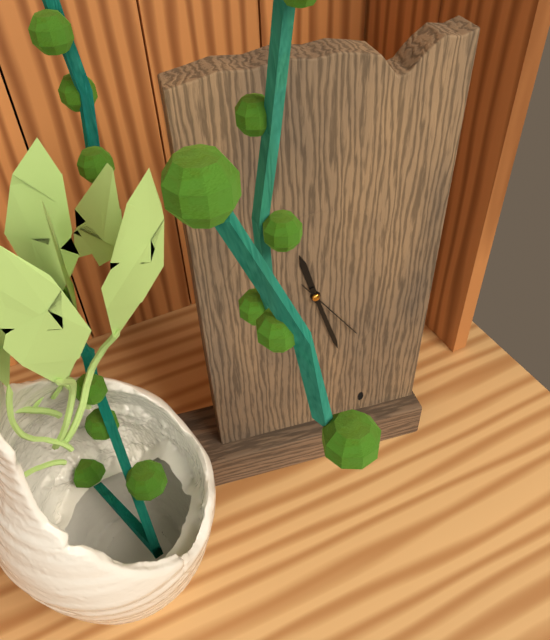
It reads h=11 m=27 s=24
